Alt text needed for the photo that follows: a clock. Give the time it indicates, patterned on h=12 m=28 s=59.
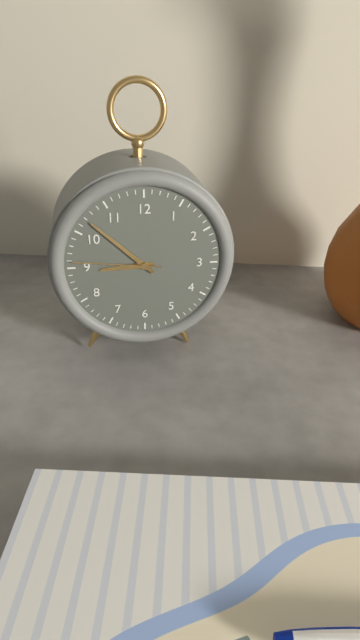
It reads h=8 m=52 s=46
